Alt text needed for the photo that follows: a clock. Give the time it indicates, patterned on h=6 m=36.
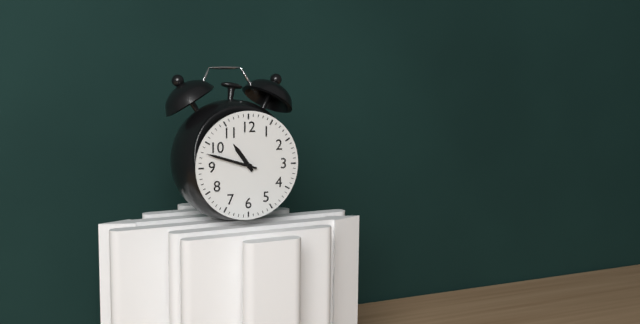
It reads h=10 m=48
